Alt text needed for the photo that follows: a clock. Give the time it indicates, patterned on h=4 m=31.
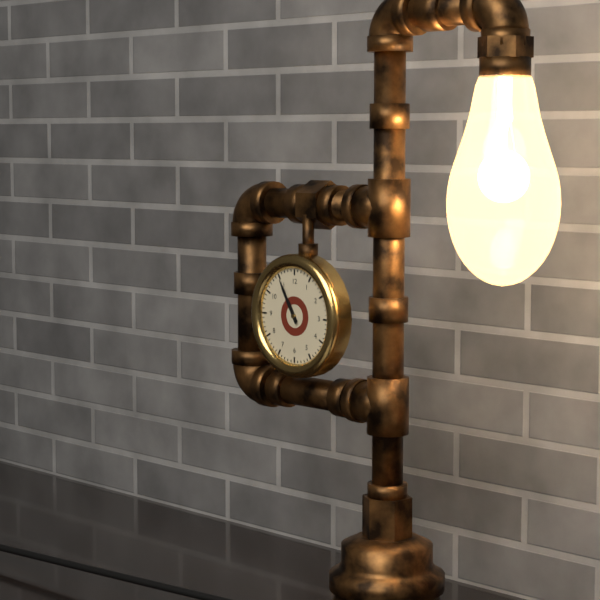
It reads h=10 m=55
